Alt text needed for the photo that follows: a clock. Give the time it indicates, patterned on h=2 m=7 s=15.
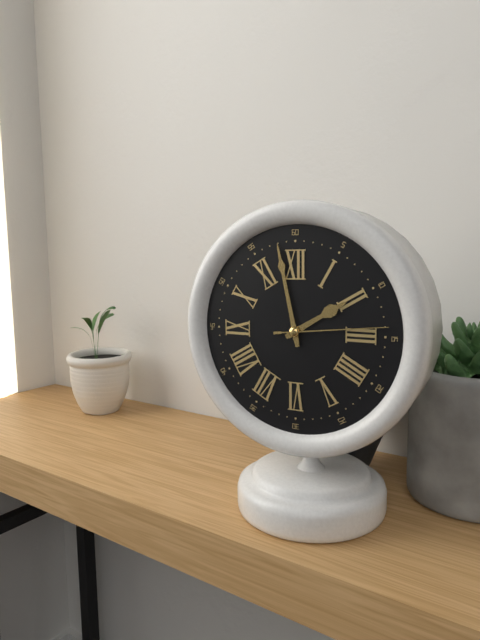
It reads h=1 m=58 s=14
